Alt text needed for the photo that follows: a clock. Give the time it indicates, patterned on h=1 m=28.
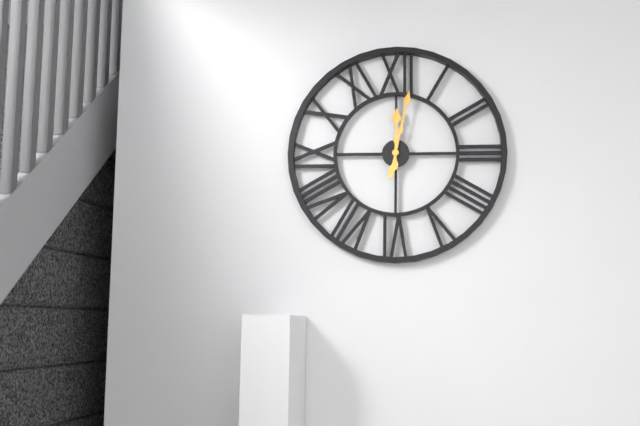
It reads h=12 m=2
